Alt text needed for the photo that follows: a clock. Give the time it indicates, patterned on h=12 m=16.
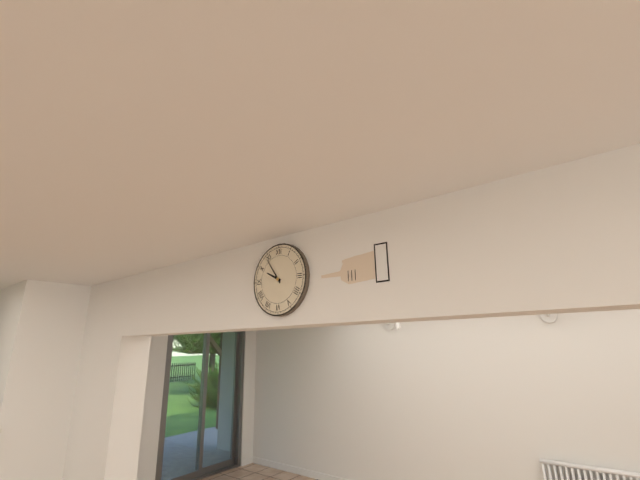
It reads h=9 m=54
